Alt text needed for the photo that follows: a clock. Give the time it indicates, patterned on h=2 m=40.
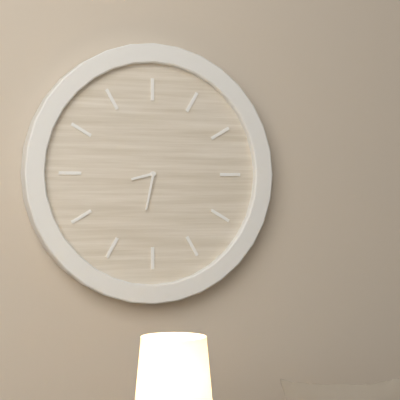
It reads h=8 m=32
